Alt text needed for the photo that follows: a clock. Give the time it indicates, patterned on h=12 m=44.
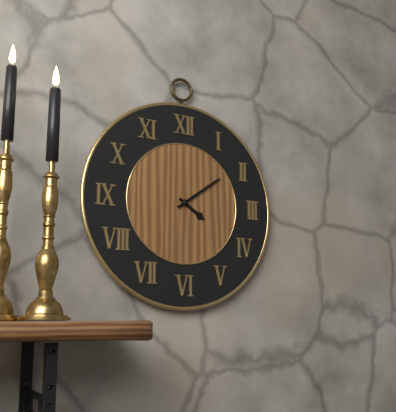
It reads h=4 m=9
